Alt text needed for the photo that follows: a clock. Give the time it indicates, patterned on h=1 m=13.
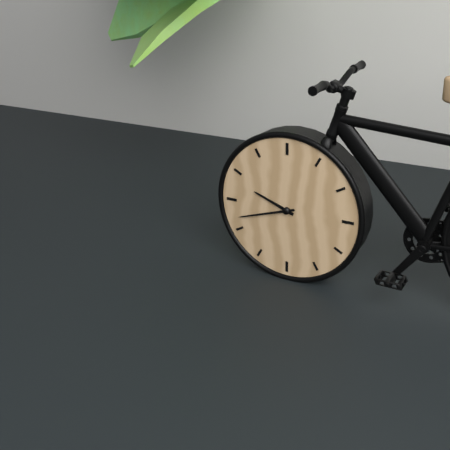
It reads h=9 m=42
